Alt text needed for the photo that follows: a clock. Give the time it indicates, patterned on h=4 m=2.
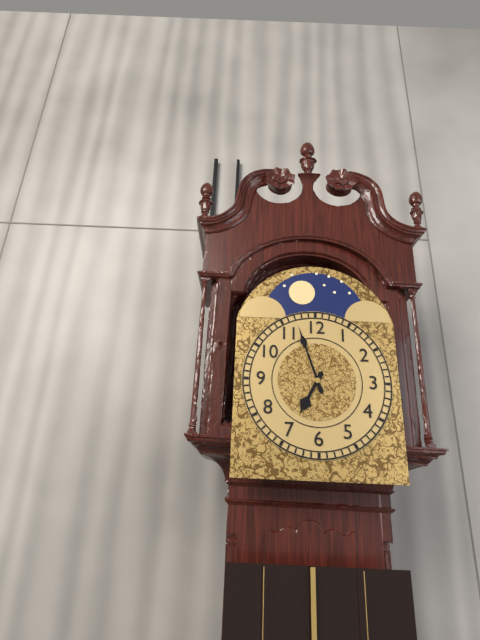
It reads h=6 m=57
